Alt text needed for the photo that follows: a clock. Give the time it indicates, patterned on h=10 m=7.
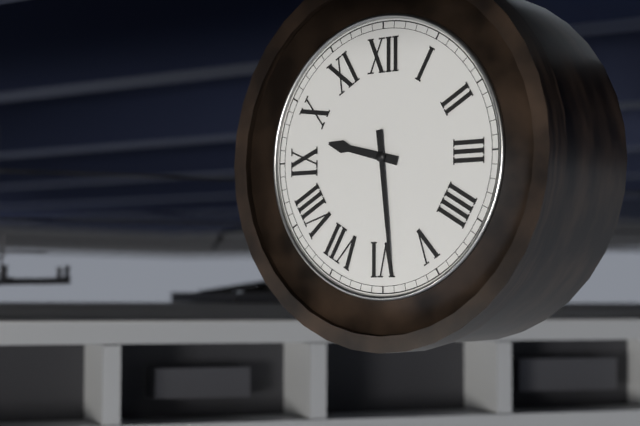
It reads h=9 m=29
